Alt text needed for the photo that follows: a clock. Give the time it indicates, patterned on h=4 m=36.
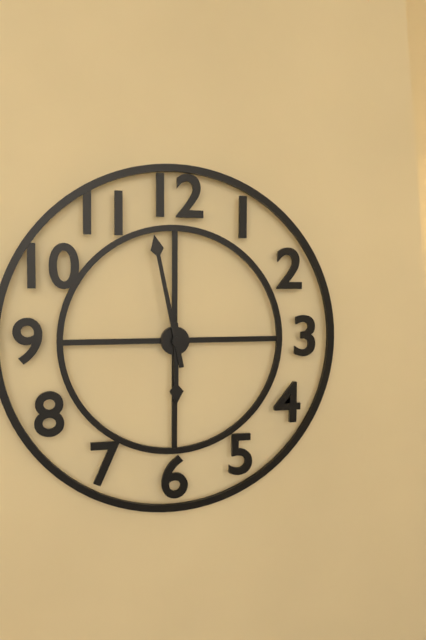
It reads h=5 m=58
